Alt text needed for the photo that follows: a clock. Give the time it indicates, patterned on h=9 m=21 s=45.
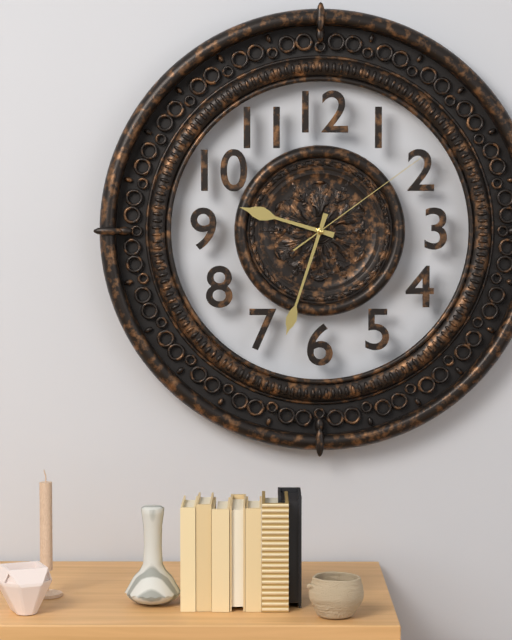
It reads h=9 m=33 s=9
